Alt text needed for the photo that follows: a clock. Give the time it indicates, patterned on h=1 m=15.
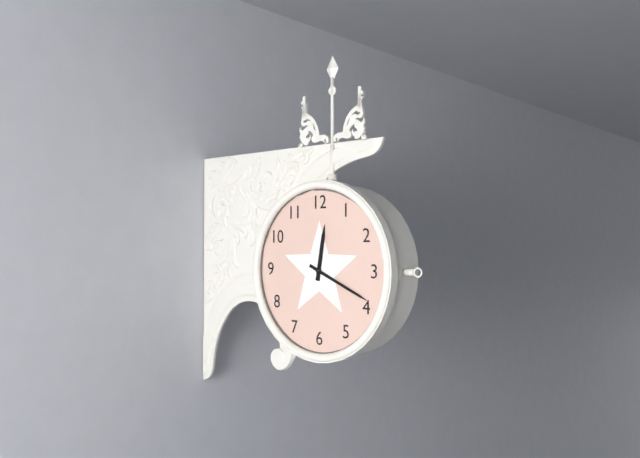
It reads h=12 m=19
